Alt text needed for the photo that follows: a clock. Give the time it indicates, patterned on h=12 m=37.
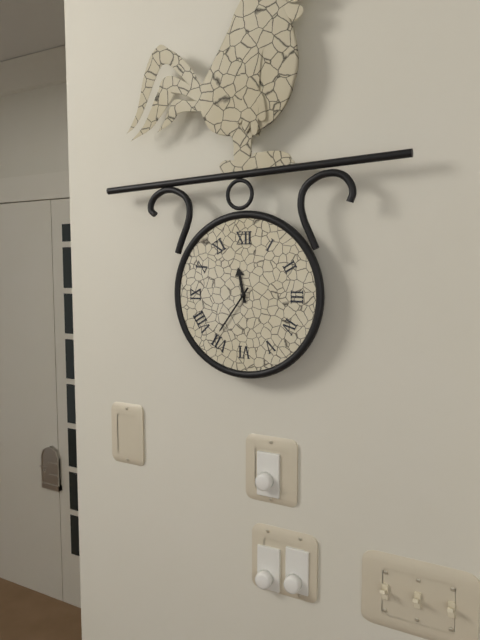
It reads h=11 m=36
